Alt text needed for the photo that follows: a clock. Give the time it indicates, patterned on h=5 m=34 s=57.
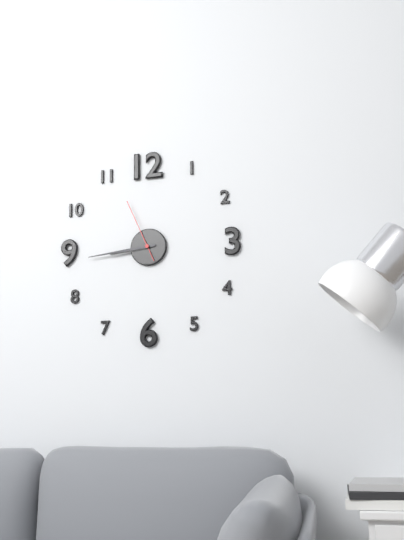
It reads h=8 m=44 s=56
